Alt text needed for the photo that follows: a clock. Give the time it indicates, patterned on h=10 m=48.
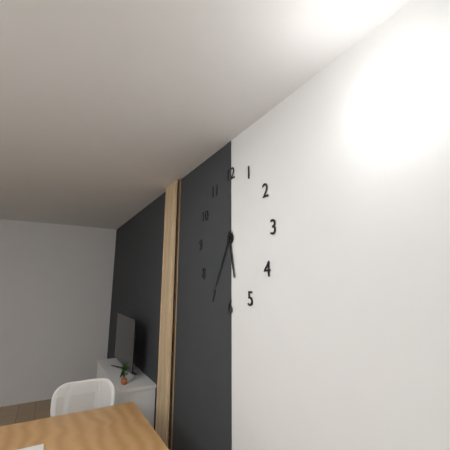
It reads h=5 m=35
